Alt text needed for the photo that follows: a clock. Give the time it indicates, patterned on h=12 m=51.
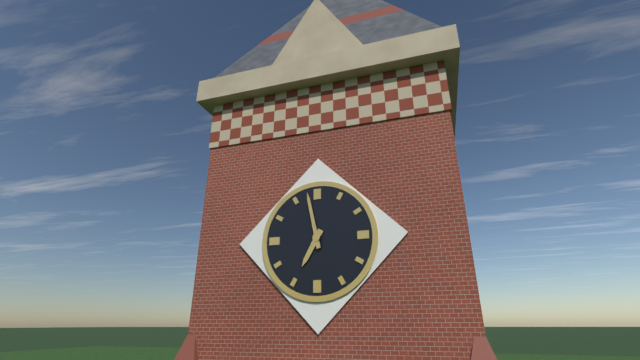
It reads h=6 m=58
